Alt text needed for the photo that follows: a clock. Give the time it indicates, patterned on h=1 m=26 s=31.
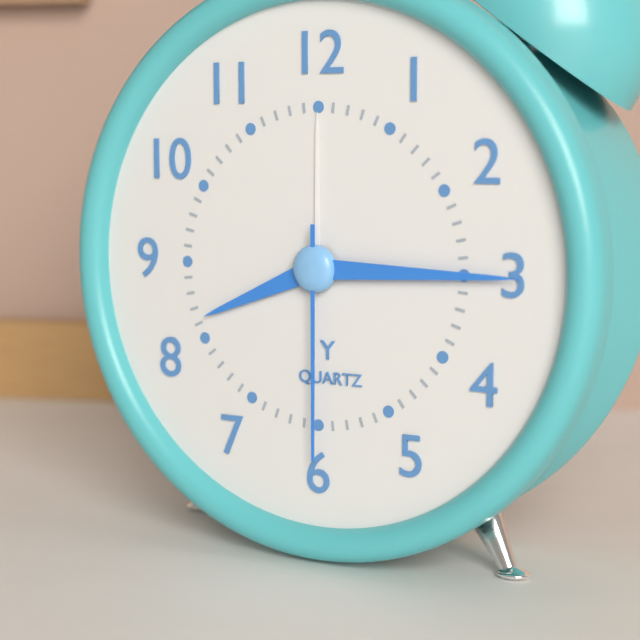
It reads h=8 m=15 s=30
